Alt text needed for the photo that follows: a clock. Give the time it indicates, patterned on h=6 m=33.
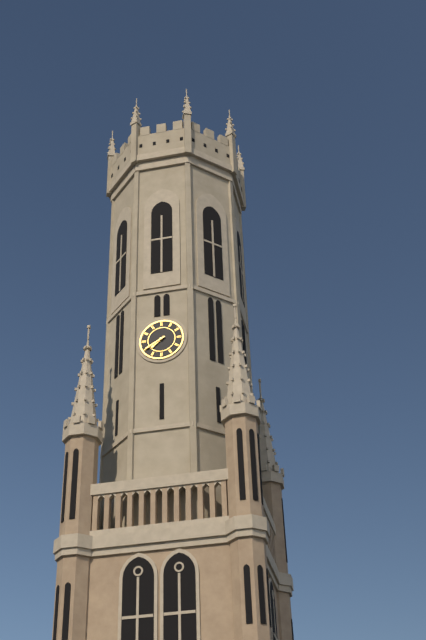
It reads h=7 m=40
